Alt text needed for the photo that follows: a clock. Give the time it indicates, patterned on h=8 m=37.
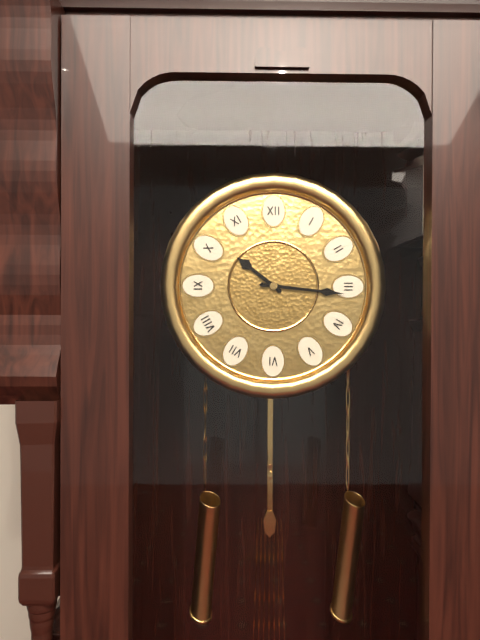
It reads h=10 m=16
